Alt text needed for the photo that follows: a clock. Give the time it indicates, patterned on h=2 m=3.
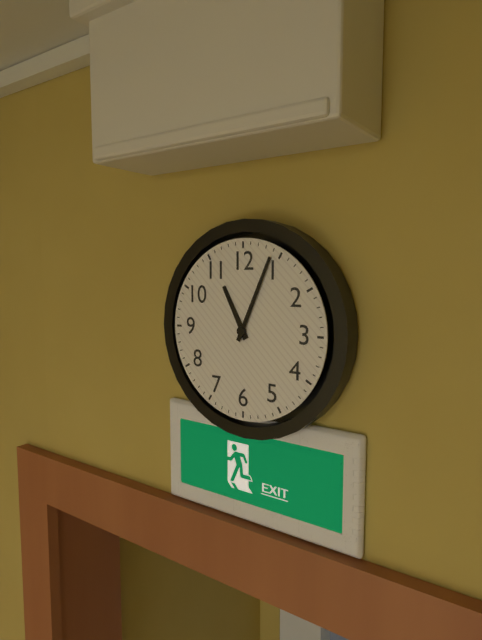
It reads h=11 m=4
